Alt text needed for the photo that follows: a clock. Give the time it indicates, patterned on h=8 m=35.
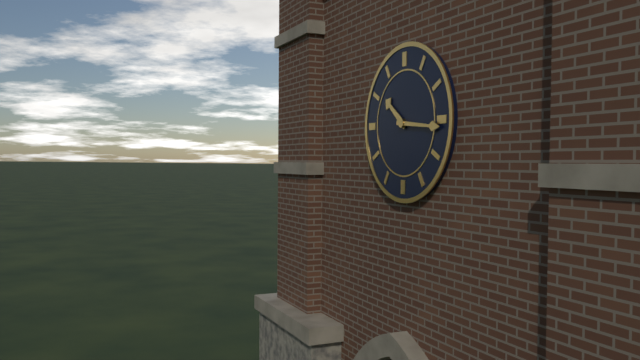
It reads h=10 m=16
